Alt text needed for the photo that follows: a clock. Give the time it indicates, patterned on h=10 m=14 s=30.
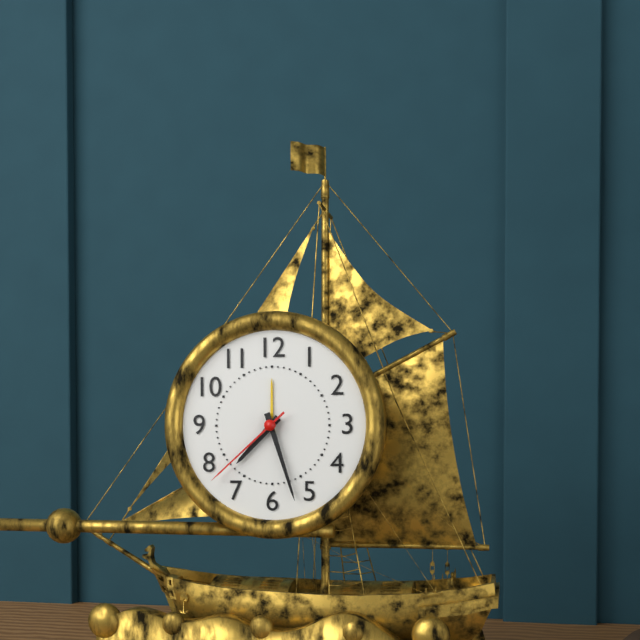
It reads h=7 m=27 s=38
